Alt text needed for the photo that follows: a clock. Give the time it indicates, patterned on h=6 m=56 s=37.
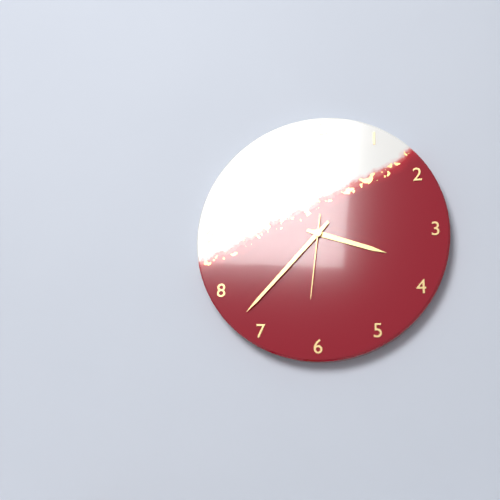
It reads h=3 m=37 s=31
